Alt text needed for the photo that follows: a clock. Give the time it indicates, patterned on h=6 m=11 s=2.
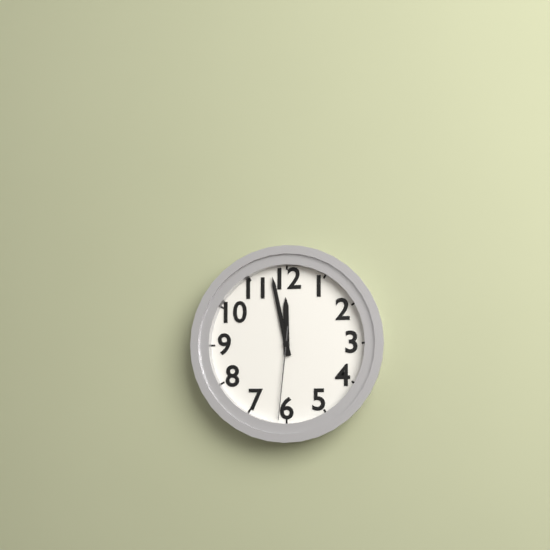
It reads h=11 m=58 s=31
